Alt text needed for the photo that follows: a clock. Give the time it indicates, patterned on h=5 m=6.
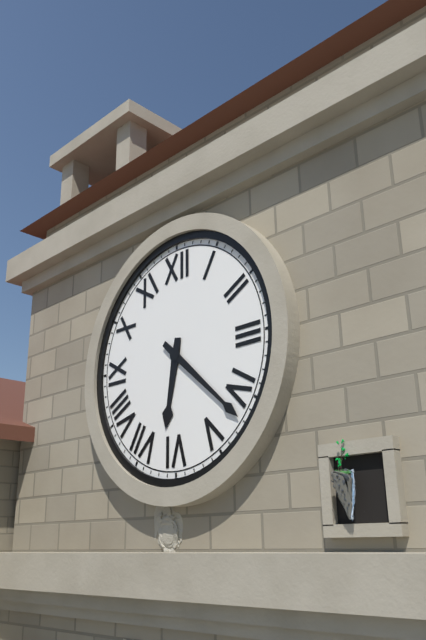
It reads h=6 m=22
